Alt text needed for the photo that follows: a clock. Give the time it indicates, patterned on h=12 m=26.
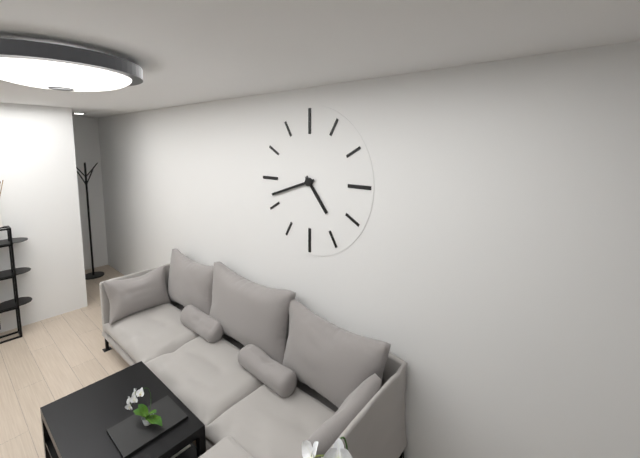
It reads h=4 m=42
